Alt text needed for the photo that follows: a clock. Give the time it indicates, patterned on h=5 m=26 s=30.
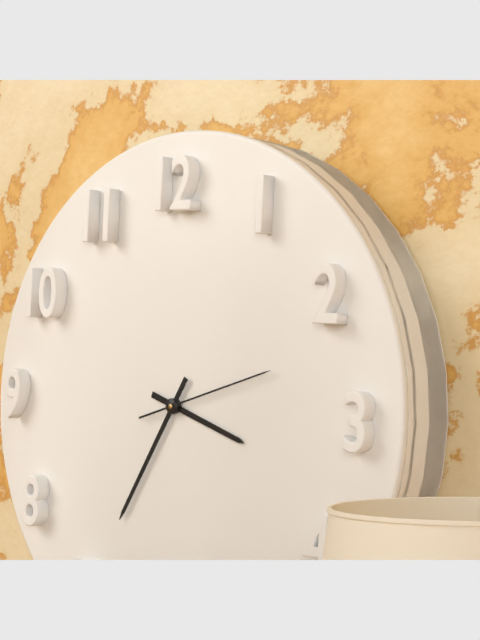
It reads h=3 m=35 s=12
